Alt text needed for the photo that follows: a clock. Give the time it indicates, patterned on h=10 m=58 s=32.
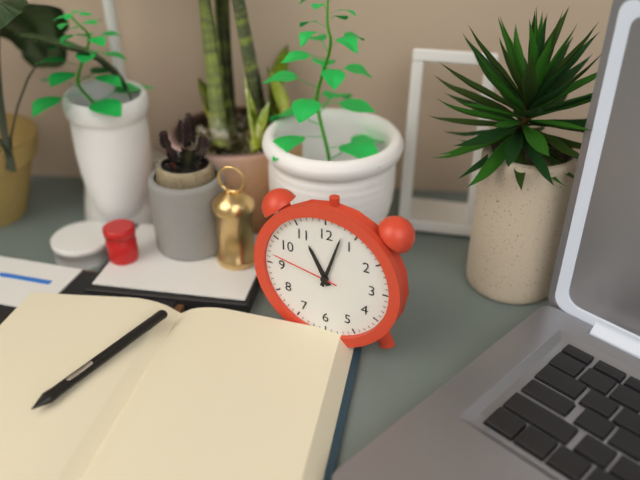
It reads h=11 m=3 s=47
